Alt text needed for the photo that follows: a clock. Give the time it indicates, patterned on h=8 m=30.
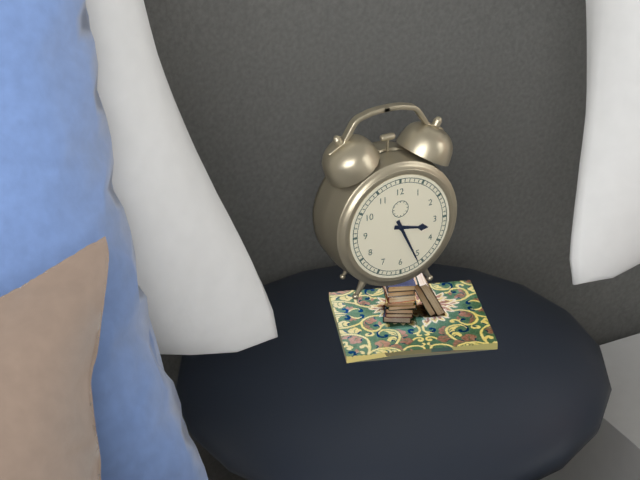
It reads h=3 m=26
